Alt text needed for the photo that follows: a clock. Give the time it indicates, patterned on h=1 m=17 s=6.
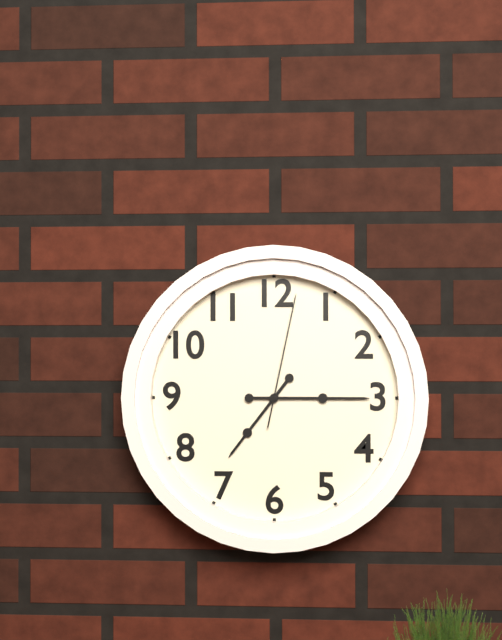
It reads h=7 m=15 s=2
